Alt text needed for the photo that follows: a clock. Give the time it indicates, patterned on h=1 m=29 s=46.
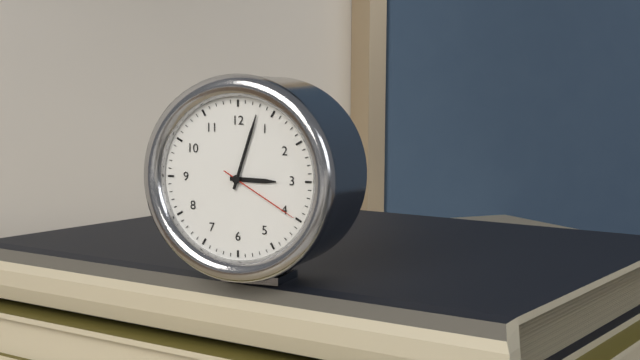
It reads h=3 m=3 s=20
